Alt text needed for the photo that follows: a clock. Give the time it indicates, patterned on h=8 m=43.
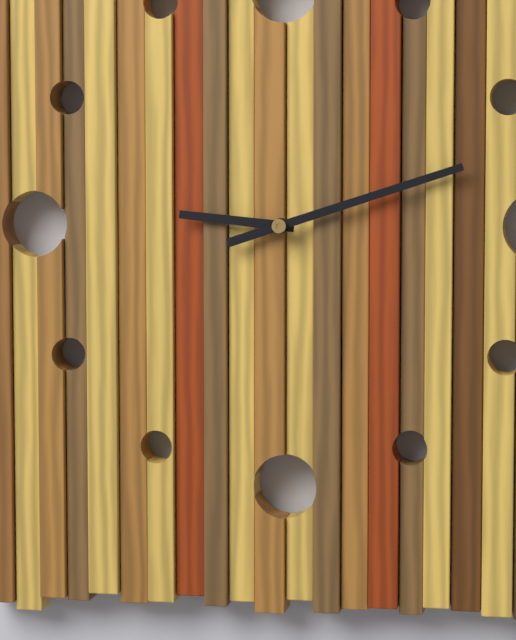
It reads h=9 m=12
